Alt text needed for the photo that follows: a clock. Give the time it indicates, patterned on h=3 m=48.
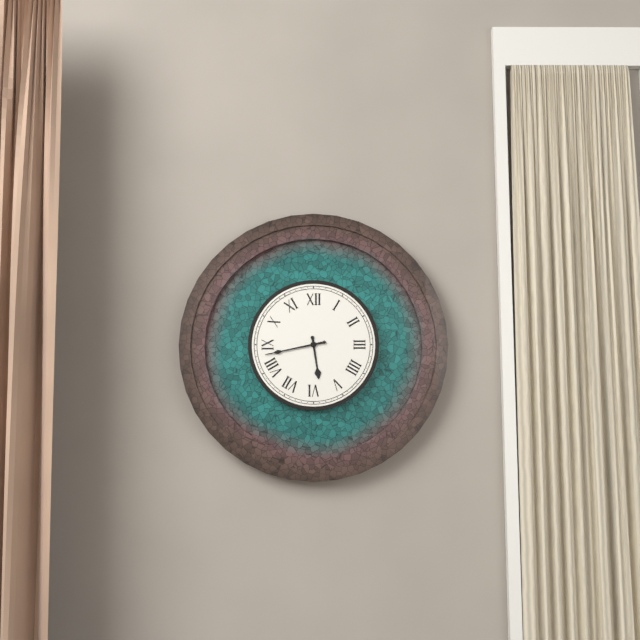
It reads h=5 m=43
